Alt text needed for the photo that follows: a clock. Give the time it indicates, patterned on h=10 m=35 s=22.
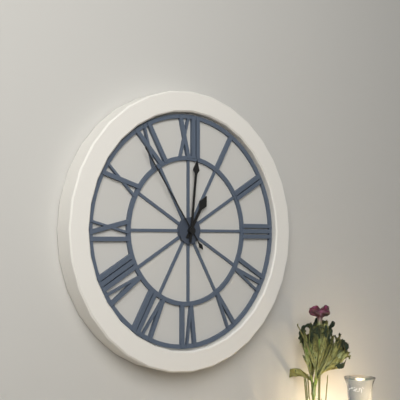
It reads h=1 m=1 s=54
